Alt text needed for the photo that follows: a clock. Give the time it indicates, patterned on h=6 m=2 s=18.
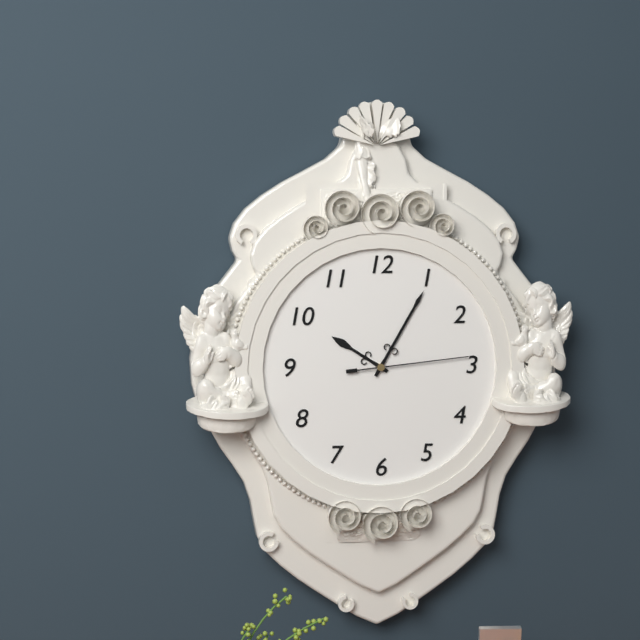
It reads h=10 m=5 s=14
